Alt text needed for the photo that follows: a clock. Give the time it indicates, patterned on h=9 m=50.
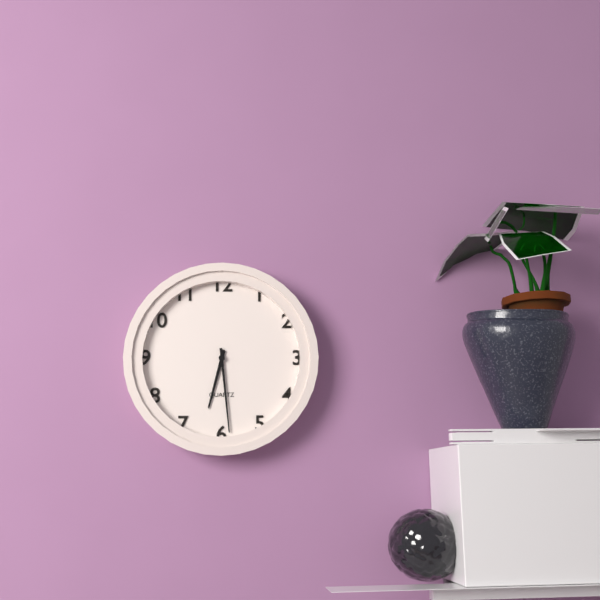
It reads h=6 m=29
